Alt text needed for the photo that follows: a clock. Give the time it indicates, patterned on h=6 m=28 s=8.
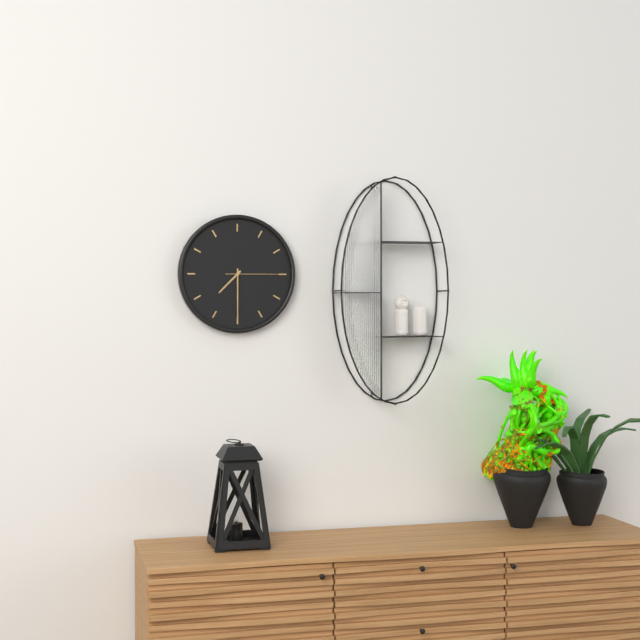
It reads h=7 m=30 s=15
